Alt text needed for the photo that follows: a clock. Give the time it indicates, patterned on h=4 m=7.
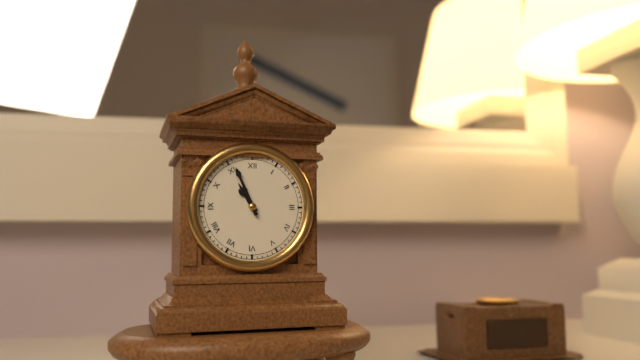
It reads h=10 m=56
